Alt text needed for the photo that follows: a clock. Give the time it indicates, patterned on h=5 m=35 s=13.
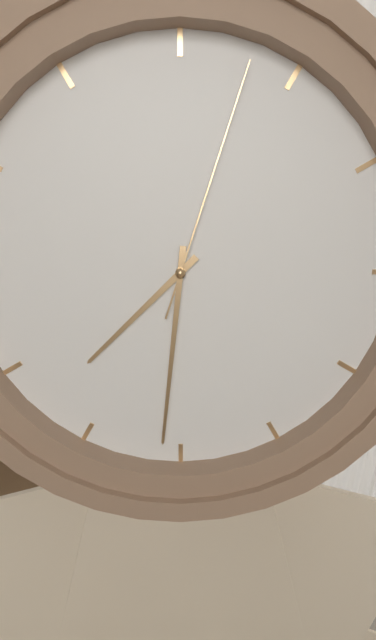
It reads h=7 m=31 s=3
